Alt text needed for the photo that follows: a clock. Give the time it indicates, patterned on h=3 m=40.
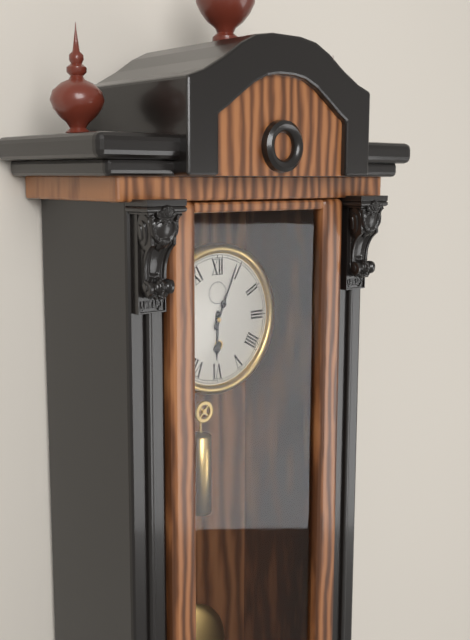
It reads h=6 m=4
